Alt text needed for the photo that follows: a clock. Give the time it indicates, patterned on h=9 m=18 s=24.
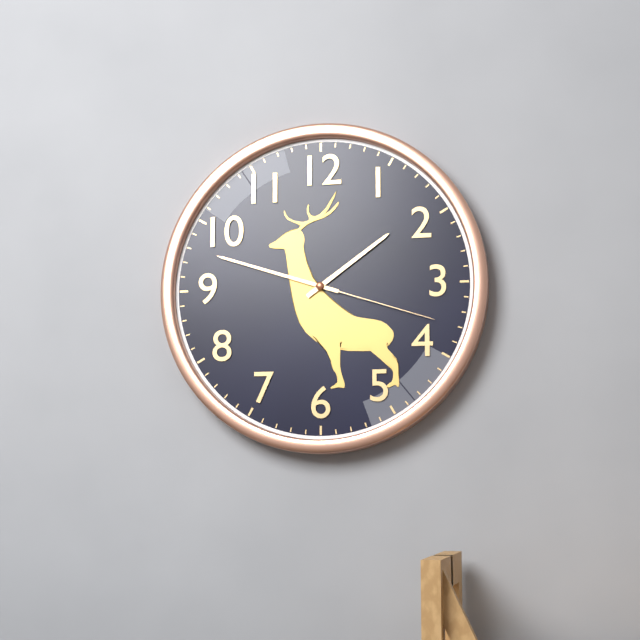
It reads h=1 m=48 s=18
